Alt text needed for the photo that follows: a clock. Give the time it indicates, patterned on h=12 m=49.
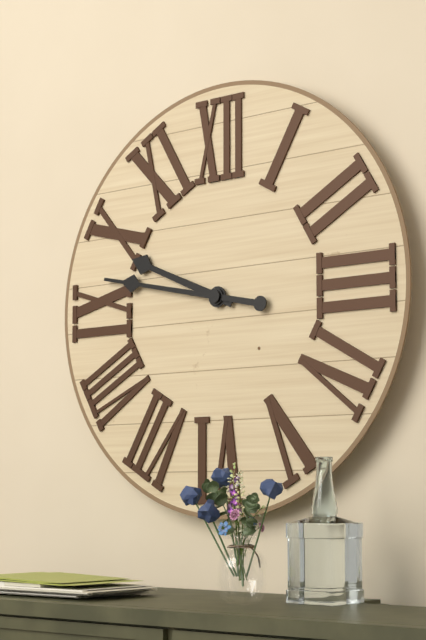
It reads h=9 m=47
